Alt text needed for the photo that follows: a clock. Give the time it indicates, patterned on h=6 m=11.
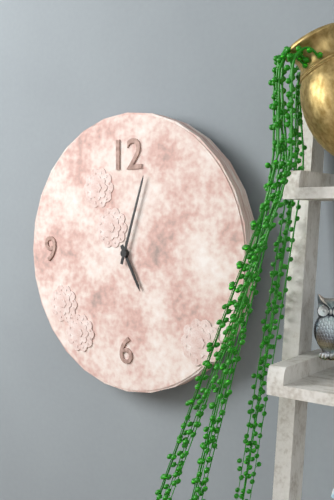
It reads h=5 m=3
